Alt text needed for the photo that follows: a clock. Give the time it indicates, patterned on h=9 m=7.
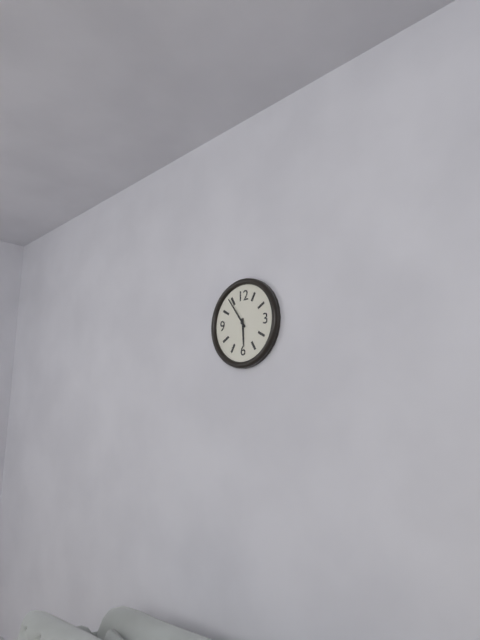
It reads h=5 m=54
